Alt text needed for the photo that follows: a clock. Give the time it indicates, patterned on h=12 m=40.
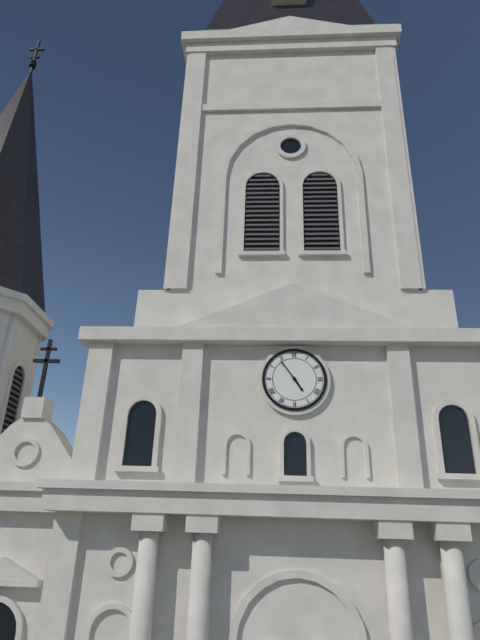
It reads h=4 m=54
